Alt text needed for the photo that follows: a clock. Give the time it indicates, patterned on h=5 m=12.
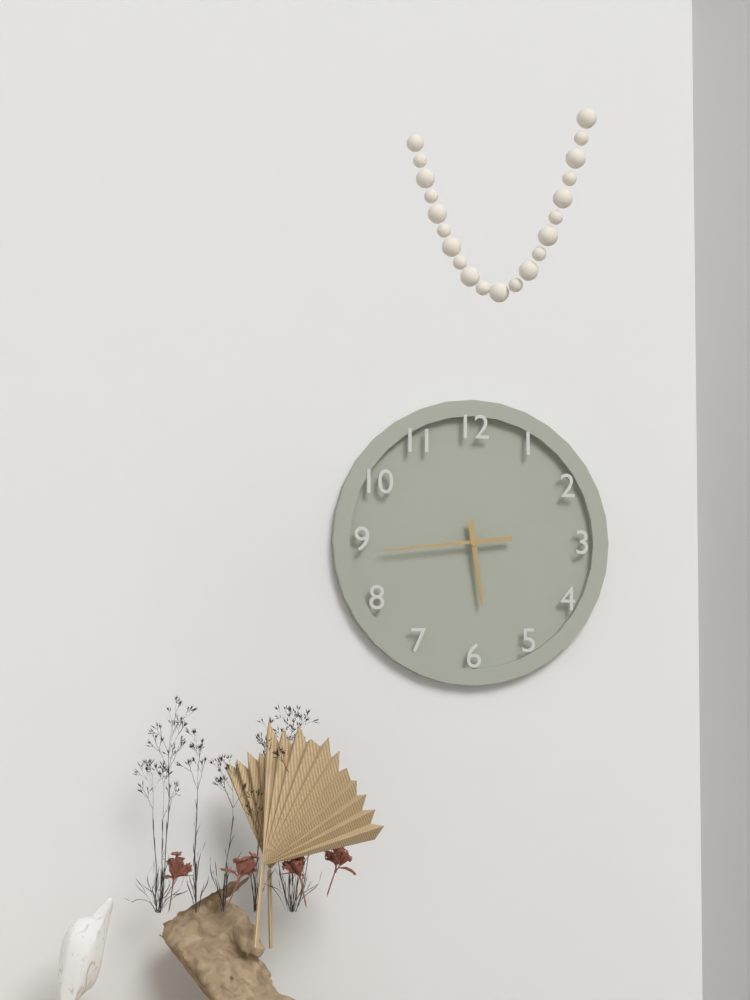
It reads h=5 m=44
